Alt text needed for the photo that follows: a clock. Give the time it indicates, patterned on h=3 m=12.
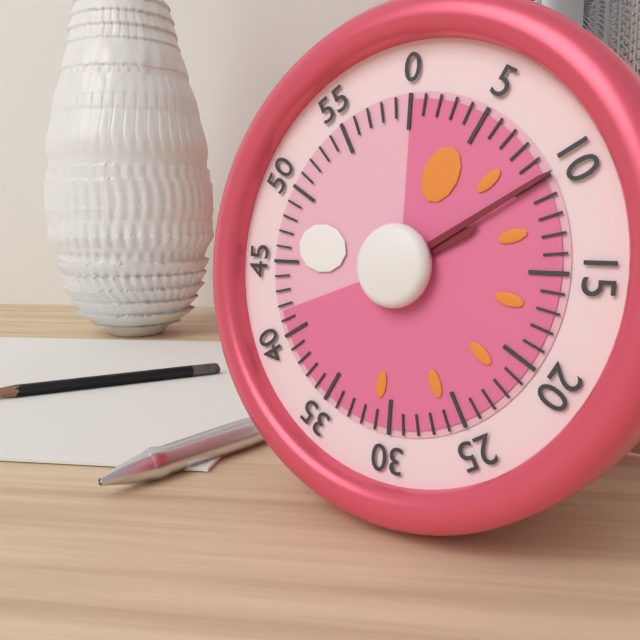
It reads h=2 m=10
